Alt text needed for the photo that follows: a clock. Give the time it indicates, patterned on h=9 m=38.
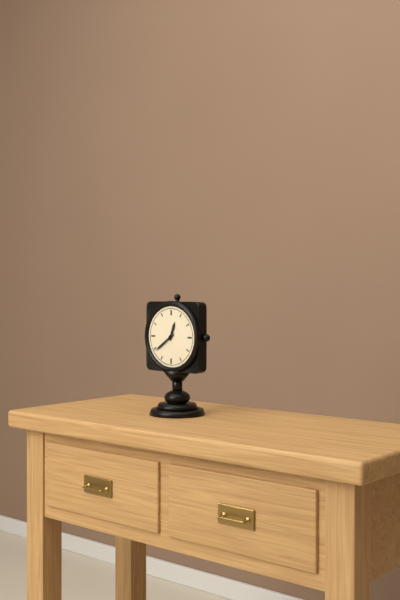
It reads h=12 m=39
